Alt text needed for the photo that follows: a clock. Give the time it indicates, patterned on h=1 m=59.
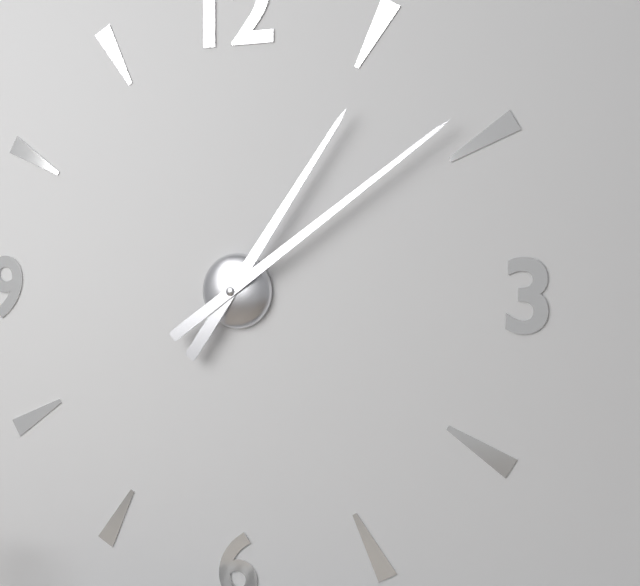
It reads h=1 m=9
